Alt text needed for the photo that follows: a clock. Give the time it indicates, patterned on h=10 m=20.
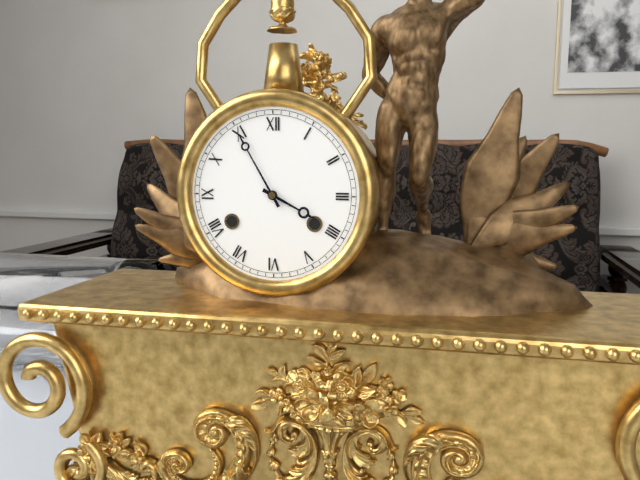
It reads h=3 m=55
